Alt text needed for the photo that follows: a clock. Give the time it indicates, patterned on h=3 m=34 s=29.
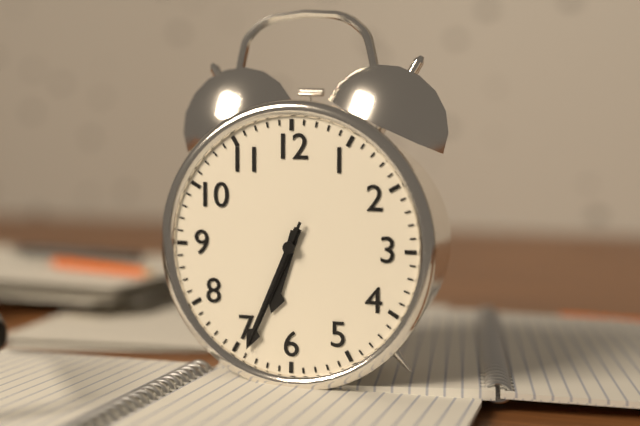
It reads h=6 m=34 s=34
